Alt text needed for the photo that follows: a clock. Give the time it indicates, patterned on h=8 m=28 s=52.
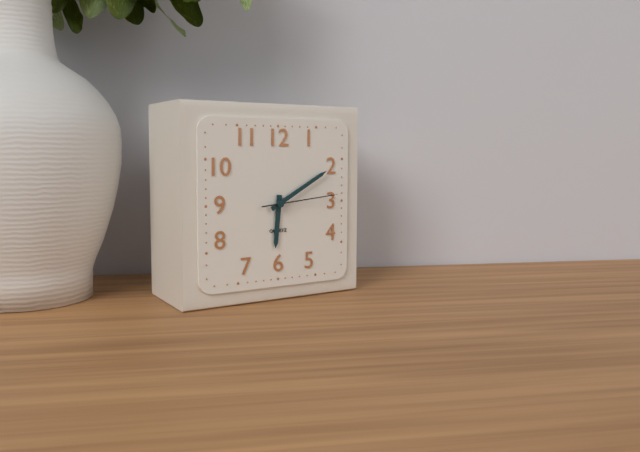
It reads h=6 m=10 s=14
